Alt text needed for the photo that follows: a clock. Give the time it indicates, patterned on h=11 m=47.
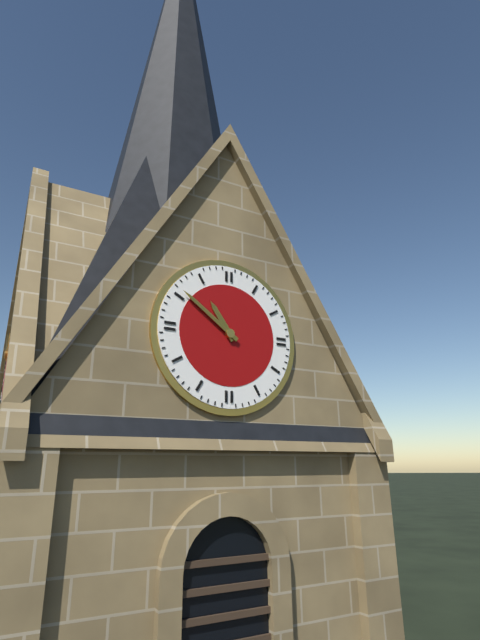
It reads h=10 m=51
